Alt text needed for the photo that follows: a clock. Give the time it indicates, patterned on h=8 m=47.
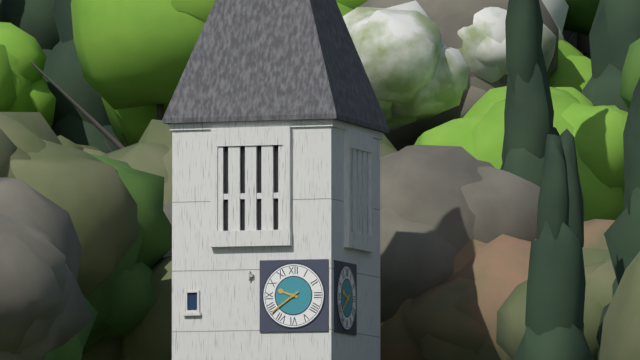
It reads h=9 m=39
